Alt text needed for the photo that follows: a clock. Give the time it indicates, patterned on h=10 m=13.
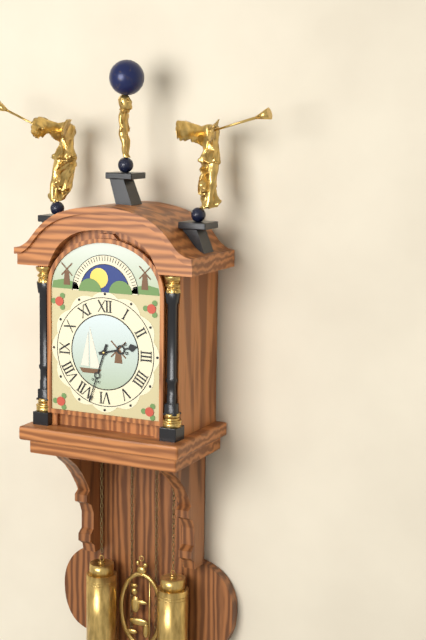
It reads h=2 m=33
